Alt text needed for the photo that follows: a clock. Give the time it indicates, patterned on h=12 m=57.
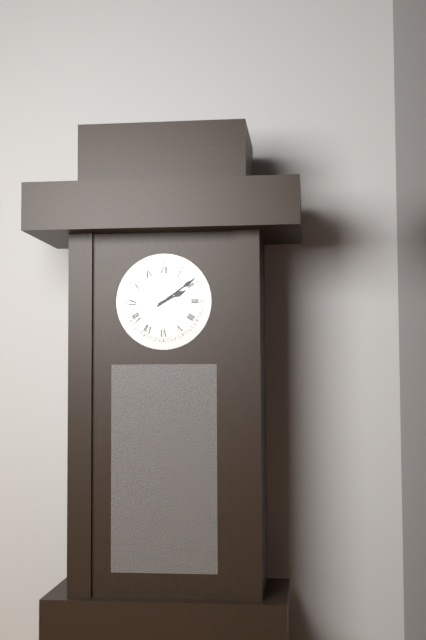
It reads h=2 m=9
